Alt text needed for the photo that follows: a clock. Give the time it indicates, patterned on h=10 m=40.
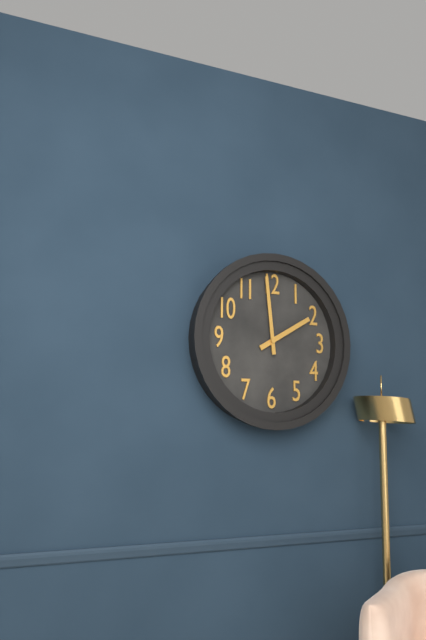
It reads h=1 m=59
